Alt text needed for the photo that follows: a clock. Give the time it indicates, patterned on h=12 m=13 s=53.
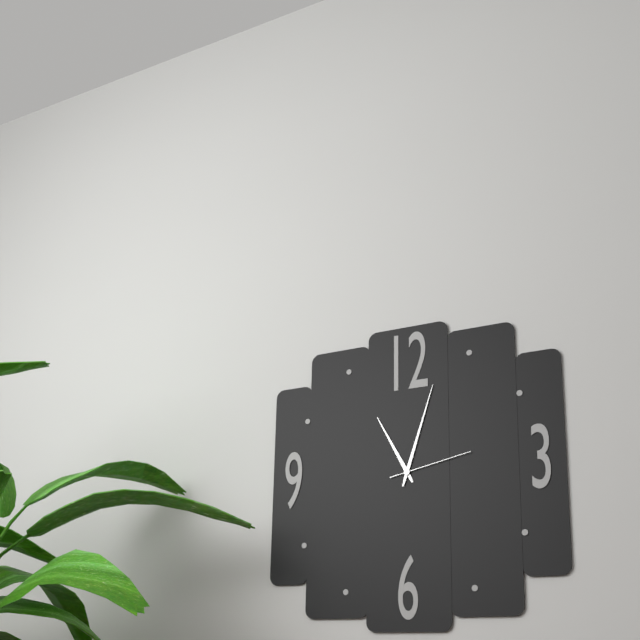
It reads h=11 m=3 s=13
